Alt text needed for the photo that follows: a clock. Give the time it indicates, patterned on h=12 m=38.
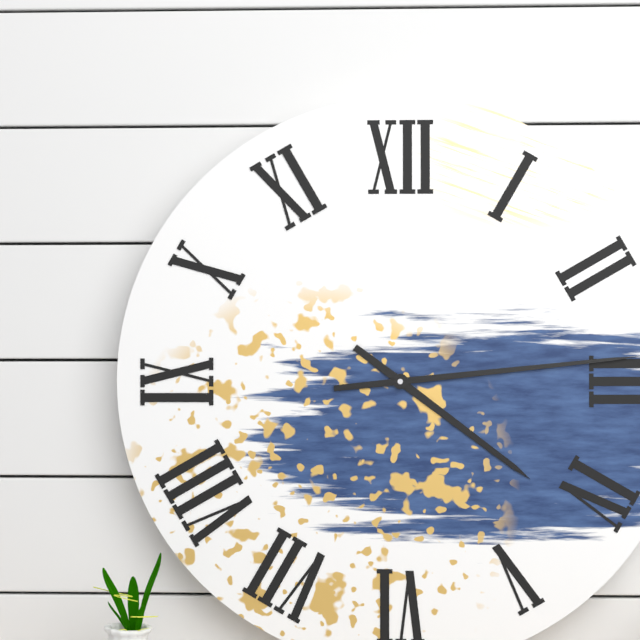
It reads h=4 m=14
